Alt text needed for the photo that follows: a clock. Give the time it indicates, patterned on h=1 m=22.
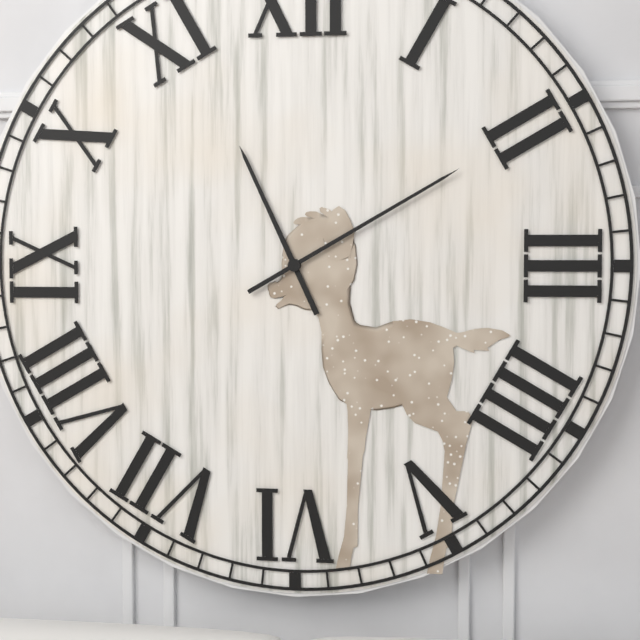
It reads h=11 m=10
